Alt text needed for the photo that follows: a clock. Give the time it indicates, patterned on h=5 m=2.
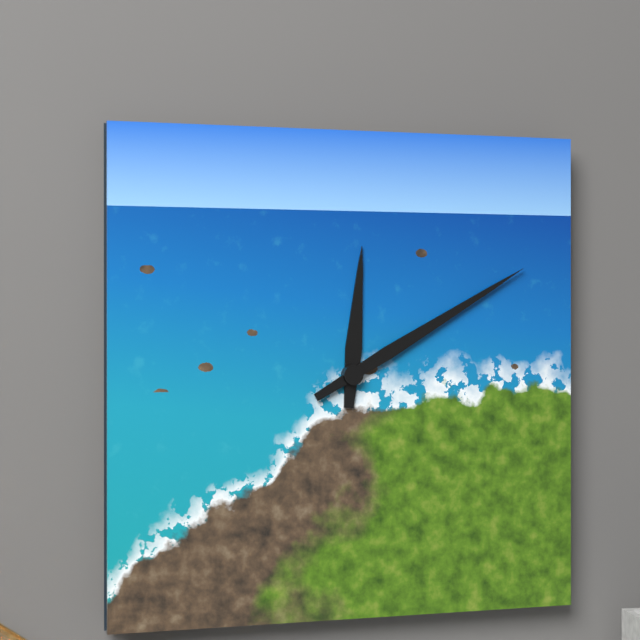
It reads h=12 m=10
